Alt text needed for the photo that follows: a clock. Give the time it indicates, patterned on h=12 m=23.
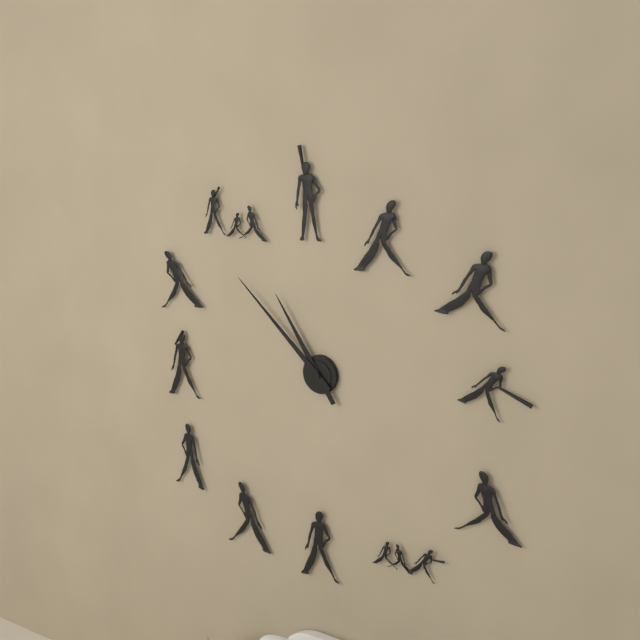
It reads h=10 m=52
